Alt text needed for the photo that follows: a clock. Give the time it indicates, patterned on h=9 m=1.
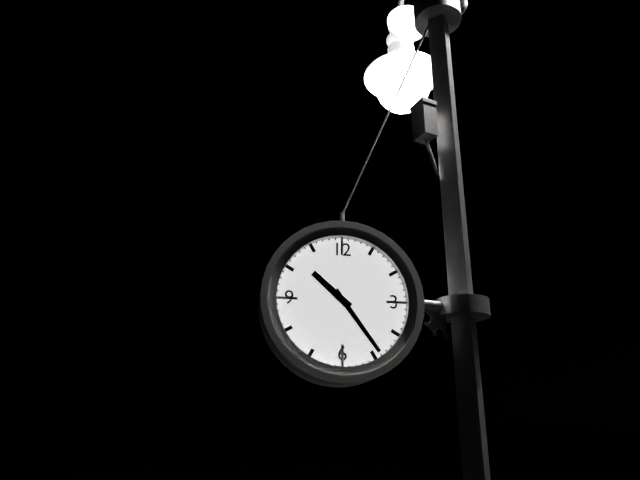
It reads h=10 m=24
